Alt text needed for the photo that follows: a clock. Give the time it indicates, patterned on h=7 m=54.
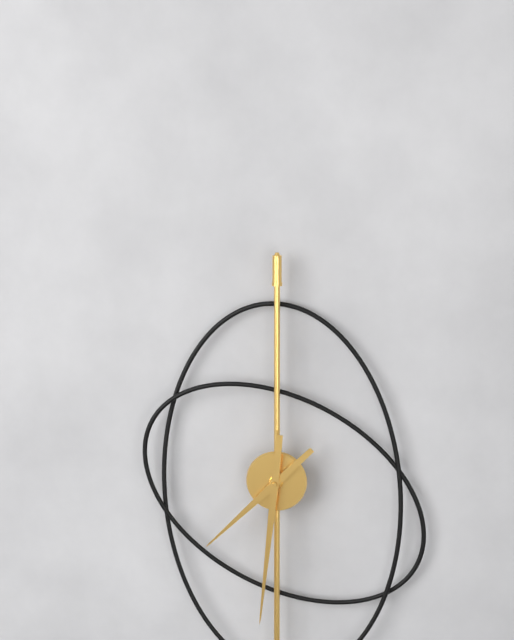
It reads h=7 m=31
